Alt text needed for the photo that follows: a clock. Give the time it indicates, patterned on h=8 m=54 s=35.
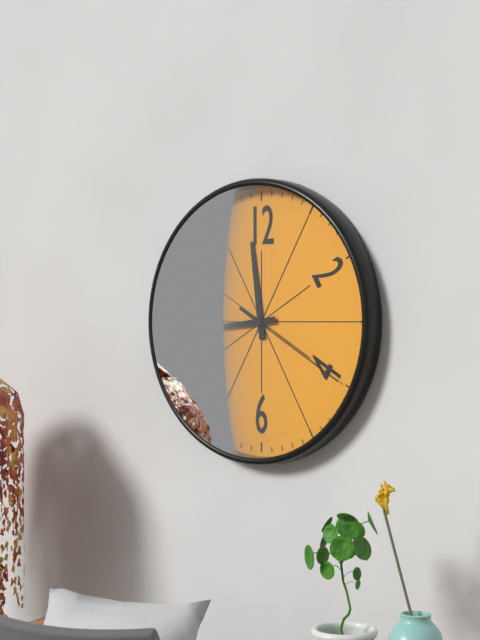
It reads h=11 m=44 s=20
